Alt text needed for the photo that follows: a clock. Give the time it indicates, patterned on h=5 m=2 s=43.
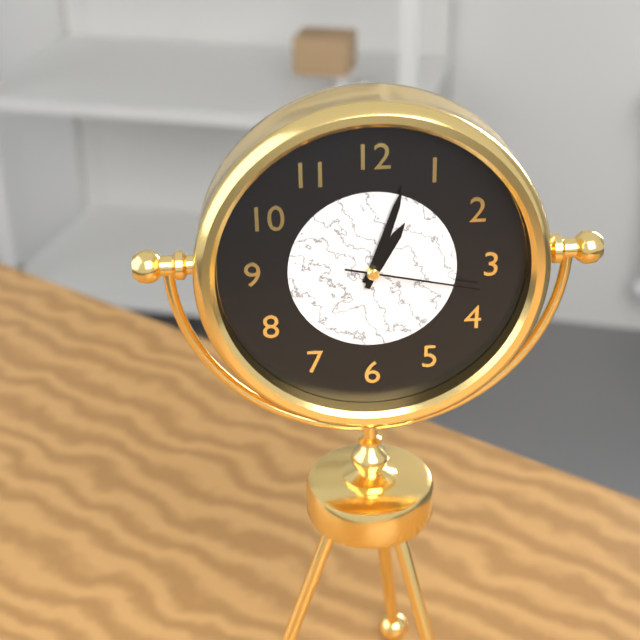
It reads h=1 m=3 s=17
